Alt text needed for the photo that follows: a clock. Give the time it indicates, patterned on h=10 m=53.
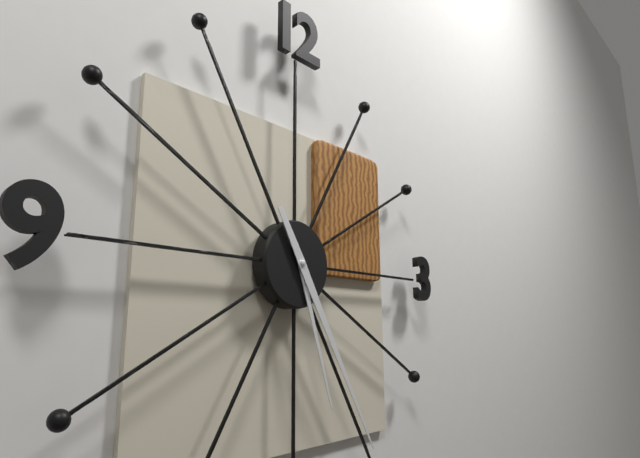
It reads h=5 m=25
